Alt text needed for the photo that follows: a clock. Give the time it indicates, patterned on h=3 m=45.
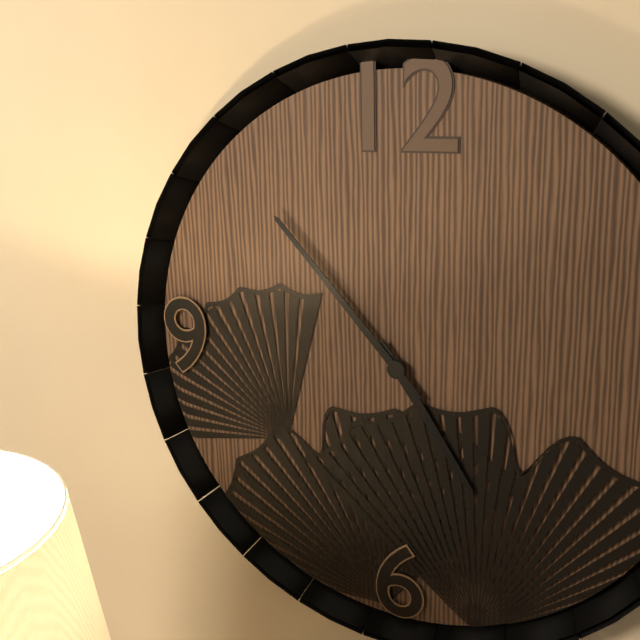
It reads h=4 m=53
